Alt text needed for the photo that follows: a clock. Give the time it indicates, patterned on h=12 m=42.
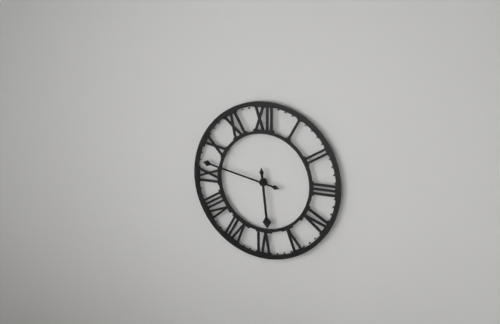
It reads h=5 m=47
